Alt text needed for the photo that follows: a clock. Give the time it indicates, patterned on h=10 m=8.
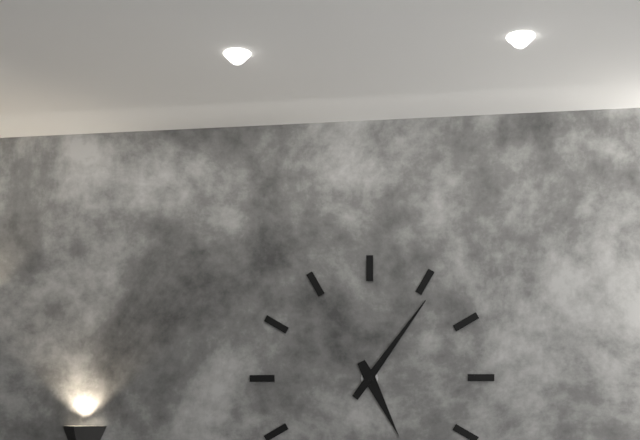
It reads h=5 m=6
